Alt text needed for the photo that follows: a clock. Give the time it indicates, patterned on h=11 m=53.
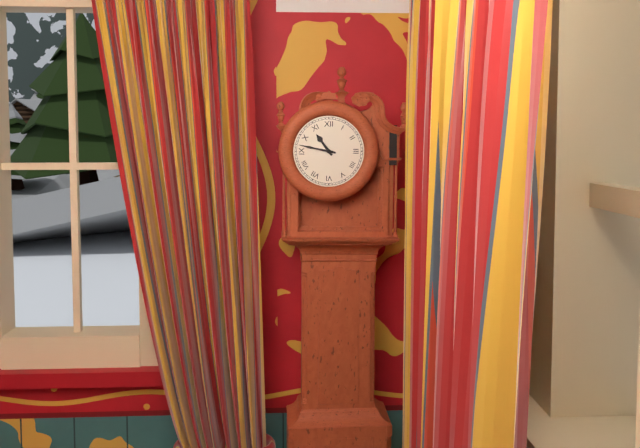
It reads h=10 m=47
